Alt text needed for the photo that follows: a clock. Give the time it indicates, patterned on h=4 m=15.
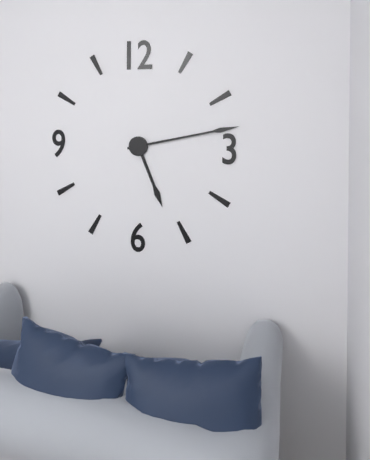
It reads h=5 m=13
